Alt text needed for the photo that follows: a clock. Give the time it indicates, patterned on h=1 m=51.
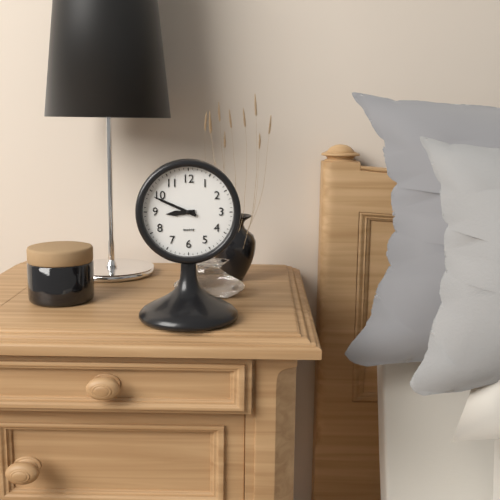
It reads h=8 m=49
